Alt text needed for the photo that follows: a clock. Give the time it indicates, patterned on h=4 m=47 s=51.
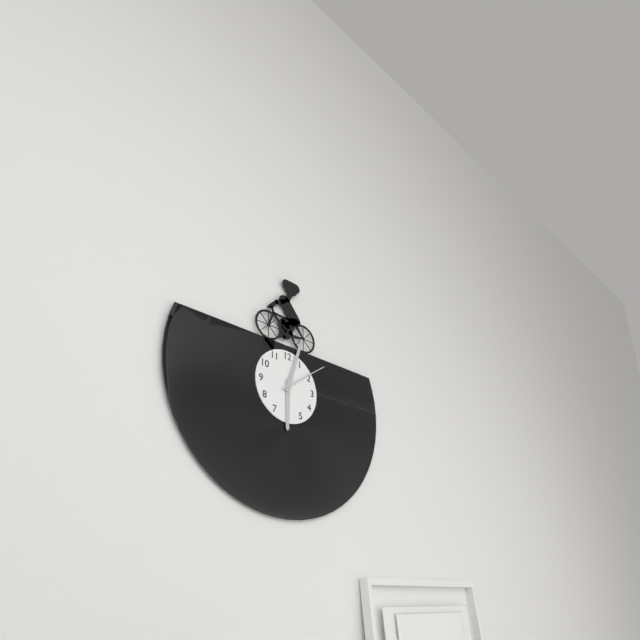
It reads h=6 m=3 s=9
